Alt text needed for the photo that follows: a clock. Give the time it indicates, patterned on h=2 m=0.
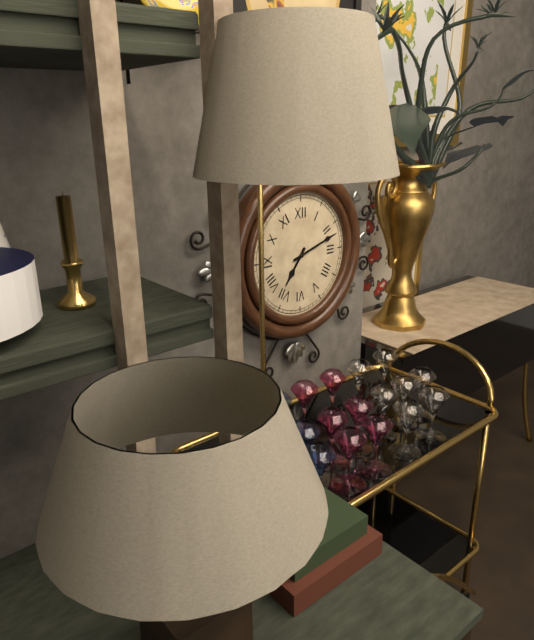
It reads h=7 m=12
